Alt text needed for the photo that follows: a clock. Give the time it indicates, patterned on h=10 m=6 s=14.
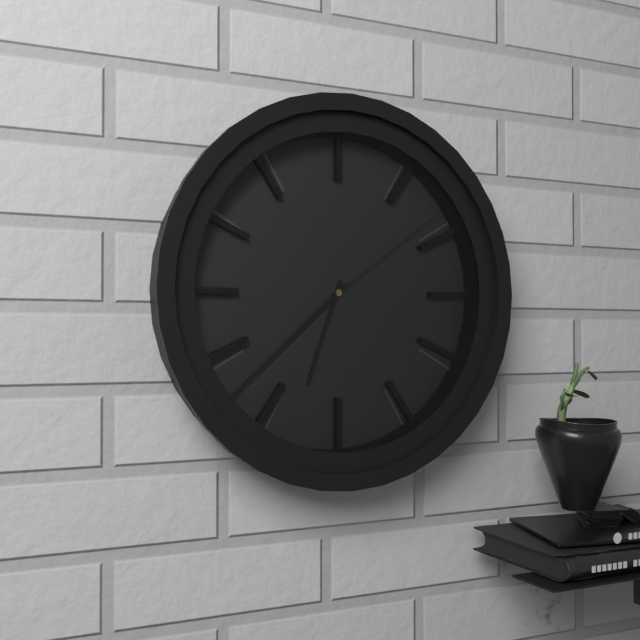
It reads h=6 m=38 s=9
